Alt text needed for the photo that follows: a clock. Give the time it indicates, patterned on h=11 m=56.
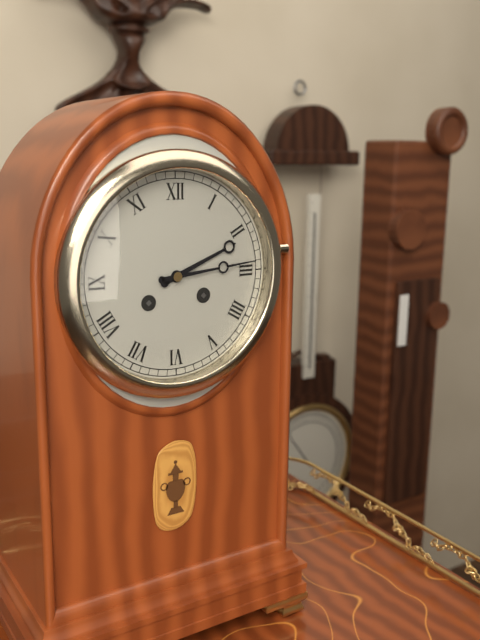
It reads h=2 m=14
